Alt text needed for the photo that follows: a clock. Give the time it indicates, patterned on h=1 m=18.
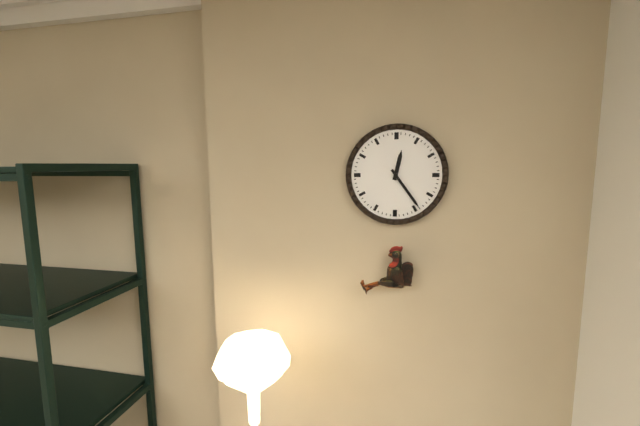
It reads h=12 m=24
